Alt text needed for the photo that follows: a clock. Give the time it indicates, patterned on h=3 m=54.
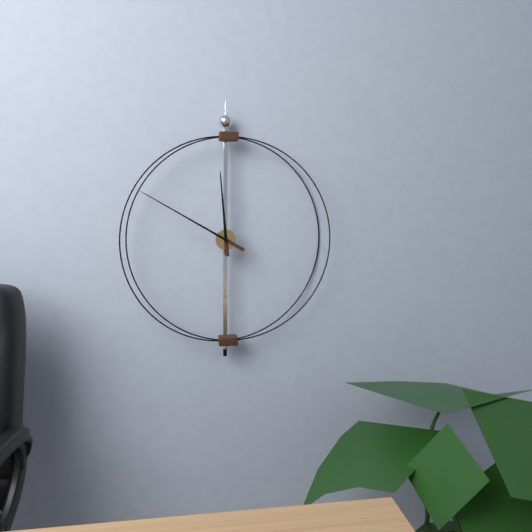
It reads h=11 m=50
